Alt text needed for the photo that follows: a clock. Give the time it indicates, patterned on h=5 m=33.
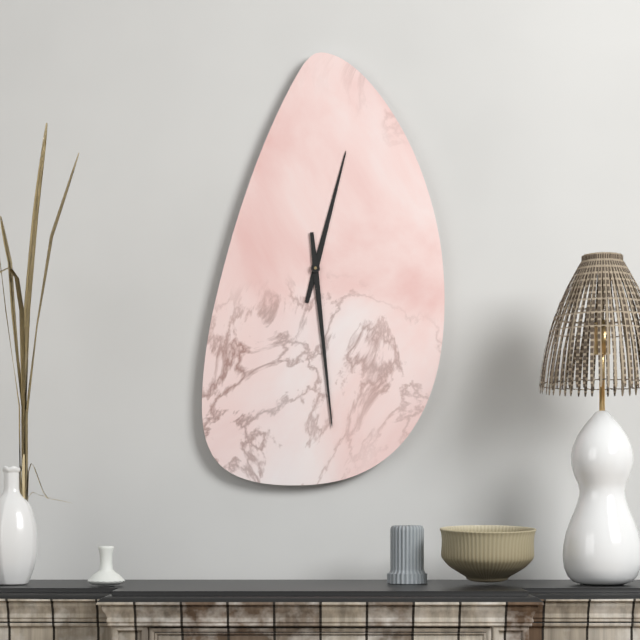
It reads h=12 m=29
